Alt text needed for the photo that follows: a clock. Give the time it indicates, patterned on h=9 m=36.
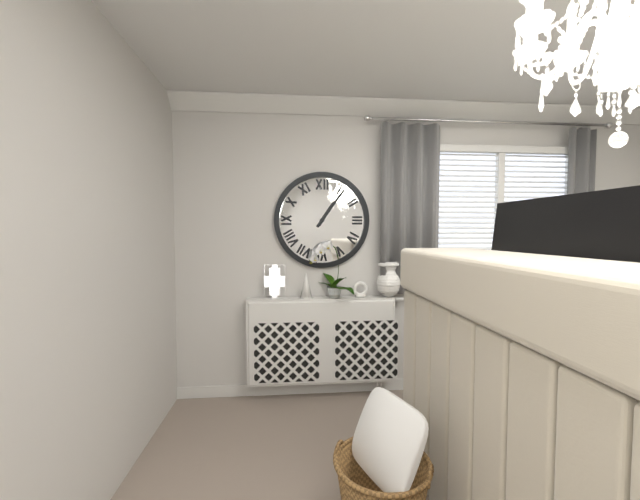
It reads h=1 m=6
